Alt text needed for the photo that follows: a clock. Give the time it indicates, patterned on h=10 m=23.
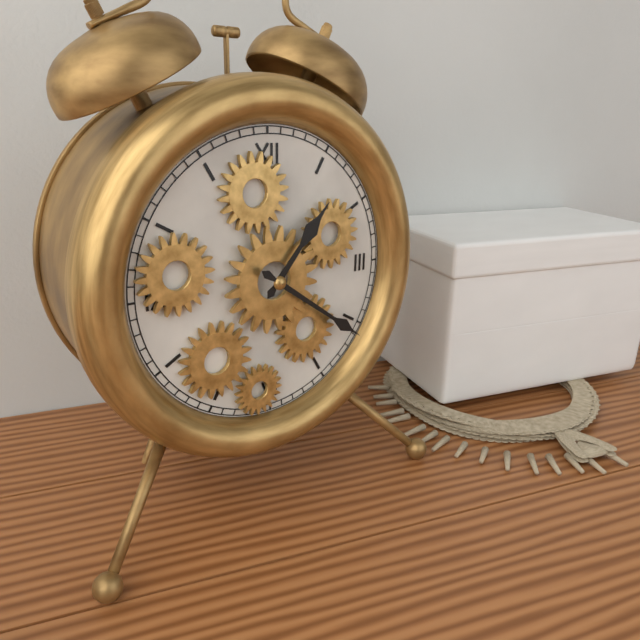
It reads h=1 m=21
